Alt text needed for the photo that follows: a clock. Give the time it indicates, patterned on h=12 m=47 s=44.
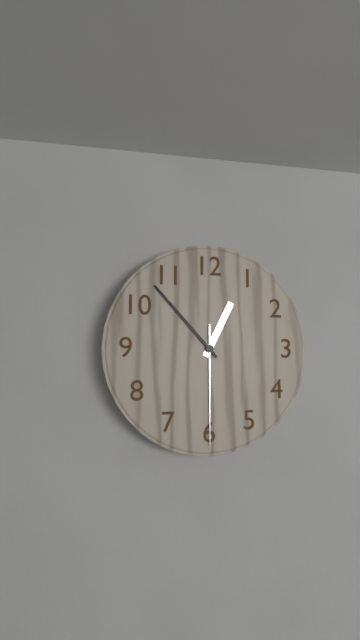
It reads h=12 m=53 s=30
